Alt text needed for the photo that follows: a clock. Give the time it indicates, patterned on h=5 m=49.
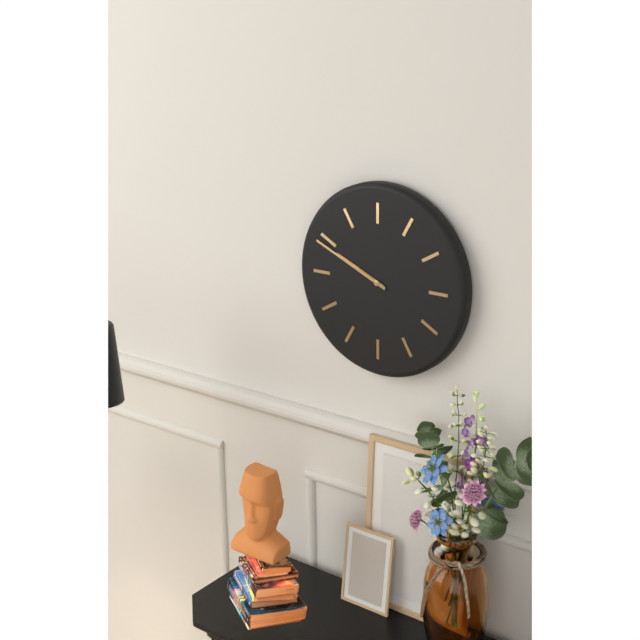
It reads h=9 m=49
